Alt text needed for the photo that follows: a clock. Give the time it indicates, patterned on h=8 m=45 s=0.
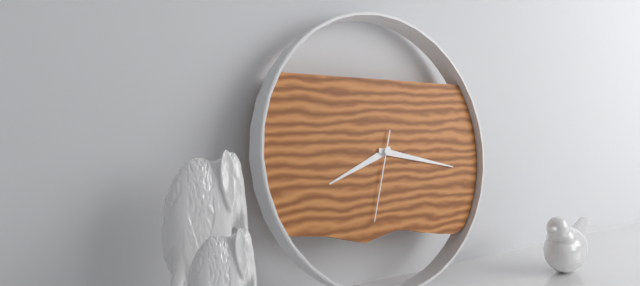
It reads h=8 m=17 s=33
